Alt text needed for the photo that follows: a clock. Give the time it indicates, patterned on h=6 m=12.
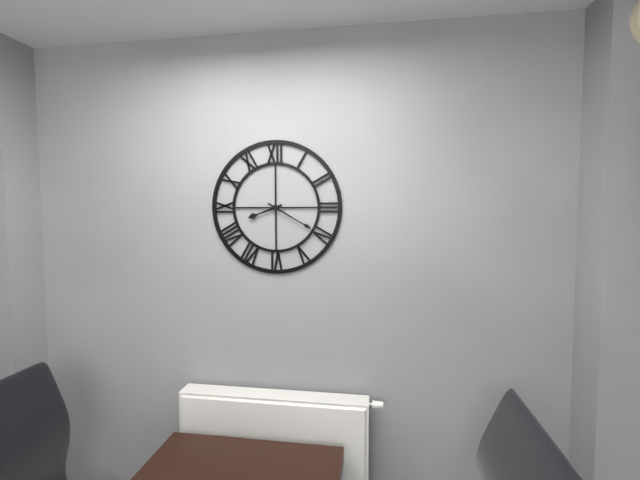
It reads h=8 m=20
